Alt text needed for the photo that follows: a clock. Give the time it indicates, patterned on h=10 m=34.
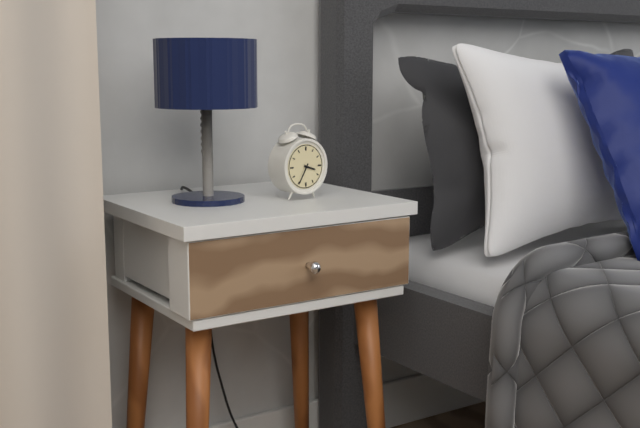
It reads h=3 m=35
